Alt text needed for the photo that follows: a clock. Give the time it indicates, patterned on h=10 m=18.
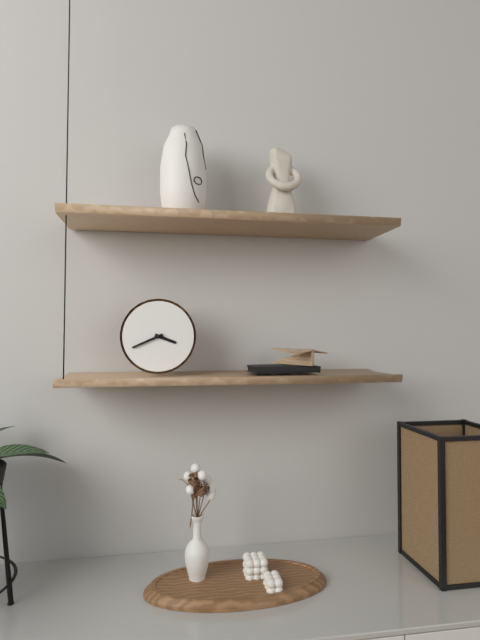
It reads h=3 m=41
